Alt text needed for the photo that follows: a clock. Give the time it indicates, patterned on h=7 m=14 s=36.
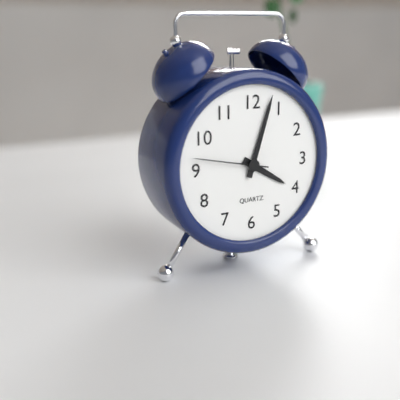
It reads h=4 m=3 s=47
